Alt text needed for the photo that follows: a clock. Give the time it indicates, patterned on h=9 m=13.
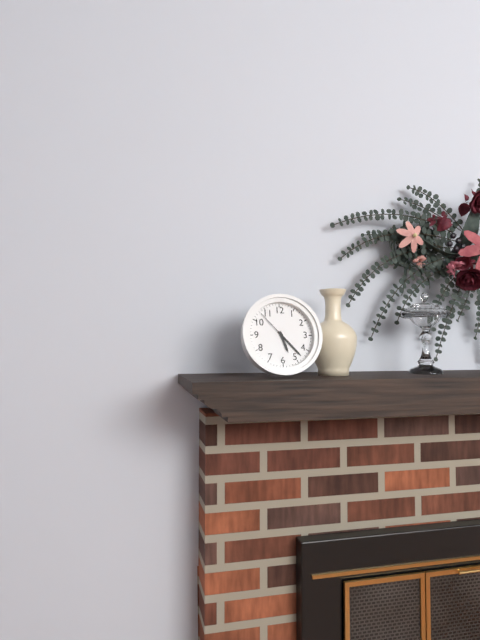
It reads h=5 m=23
